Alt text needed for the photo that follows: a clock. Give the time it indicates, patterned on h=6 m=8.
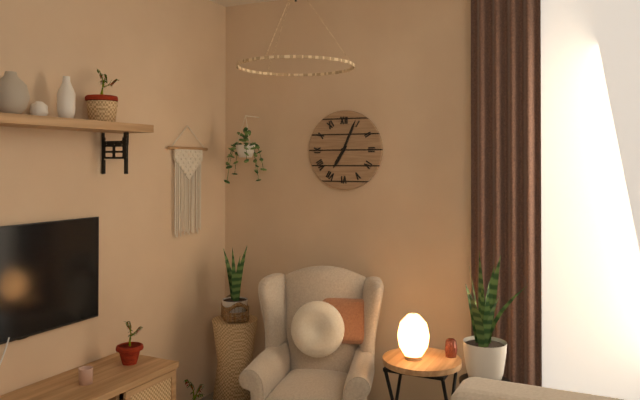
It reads h=7 m=4
